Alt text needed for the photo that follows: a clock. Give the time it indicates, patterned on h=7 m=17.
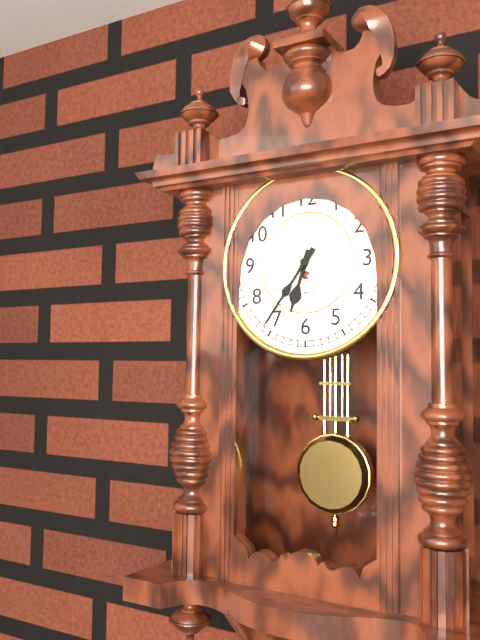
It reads h=6 m=36
